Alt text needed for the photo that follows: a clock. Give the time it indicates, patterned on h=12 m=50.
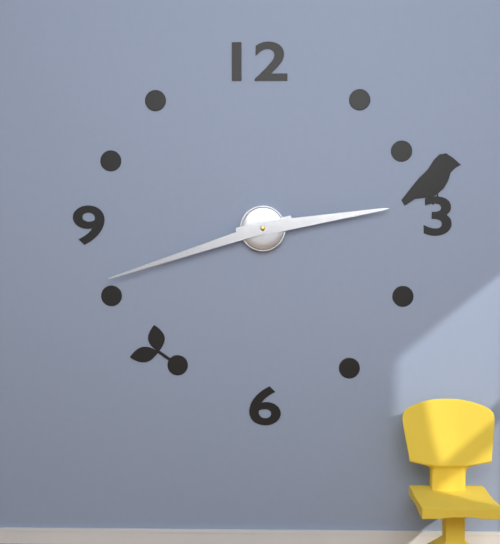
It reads h=2 m=42
